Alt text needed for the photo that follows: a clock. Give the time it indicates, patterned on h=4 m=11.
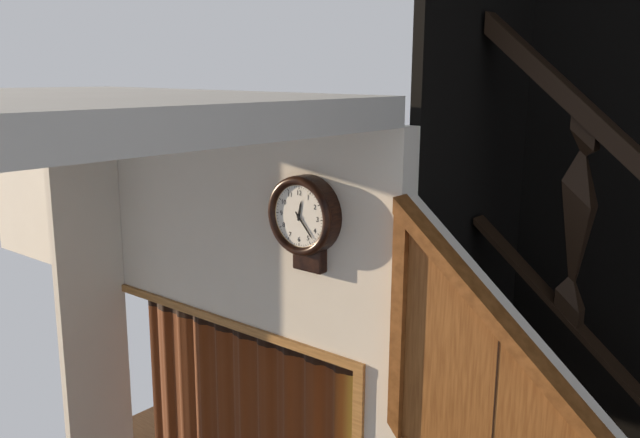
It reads h=12 m=23
